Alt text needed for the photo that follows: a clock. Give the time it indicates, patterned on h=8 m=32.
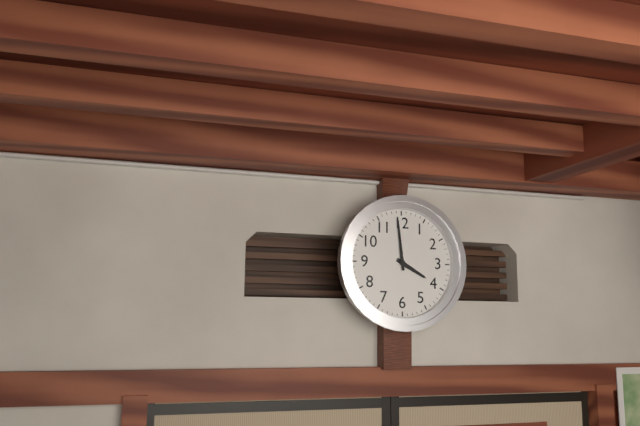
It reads h=3 m=59
